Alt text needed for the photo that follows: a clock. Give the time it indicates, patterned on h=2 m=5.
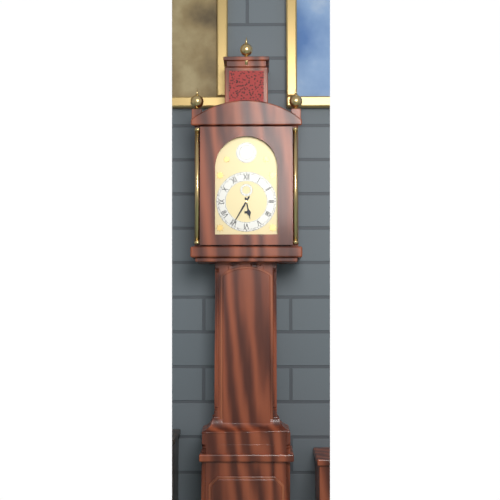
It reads h=5 m=35
